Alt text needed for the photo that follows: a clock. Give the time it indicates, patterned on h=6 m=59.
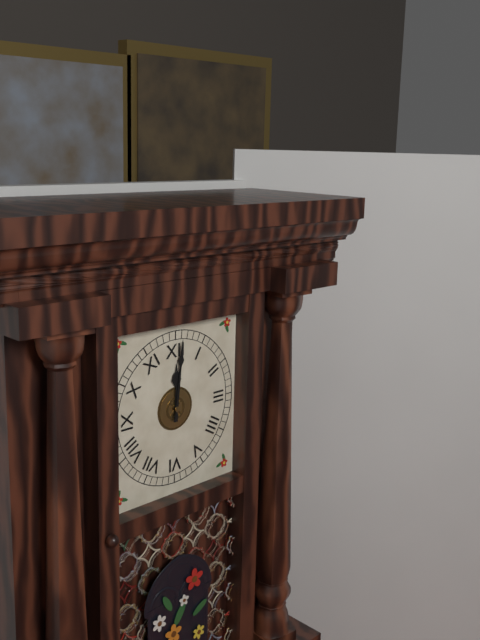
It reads h=12 m=1
